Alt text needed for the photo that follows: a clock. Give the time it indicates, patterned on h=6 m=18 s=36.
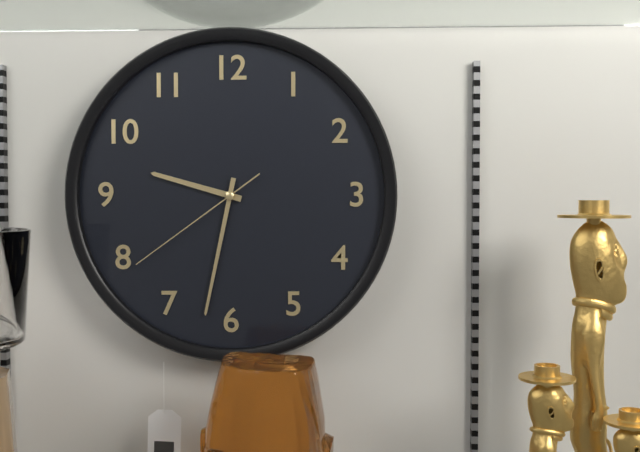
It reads h=9 m=32 s=39
